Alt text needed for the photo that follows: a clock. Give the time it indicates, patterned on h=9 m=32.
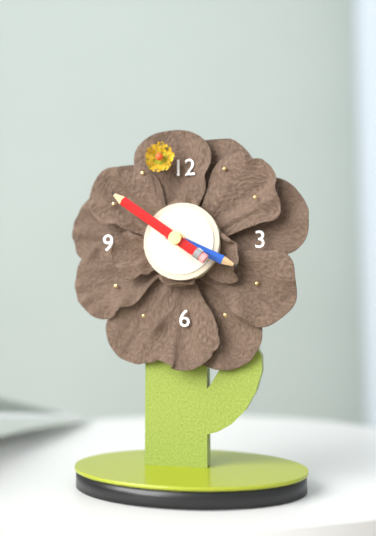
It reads h=3 m=51
